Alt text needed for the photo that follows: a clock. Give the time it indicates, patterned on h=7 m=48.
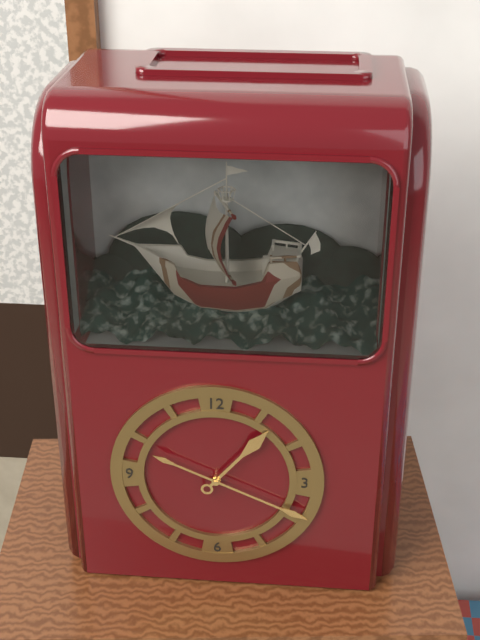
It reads h=1 m=19
